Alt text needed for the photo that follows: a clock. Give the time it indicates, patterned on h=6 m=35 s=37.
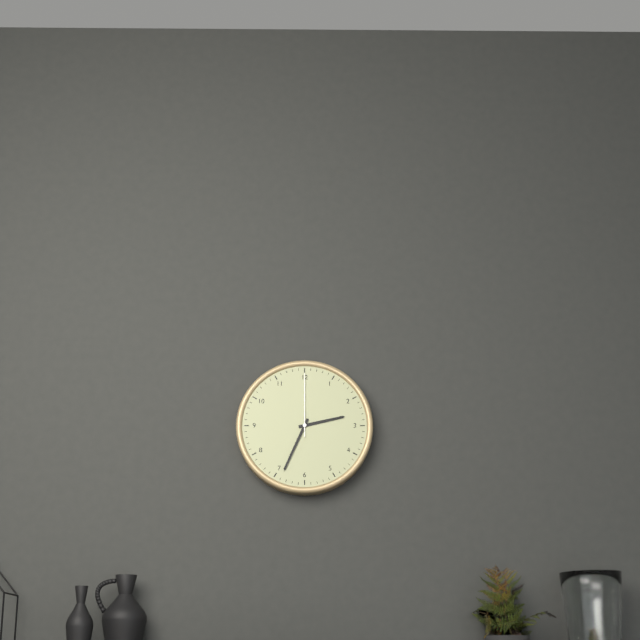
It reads h=2 m=34 s=0
